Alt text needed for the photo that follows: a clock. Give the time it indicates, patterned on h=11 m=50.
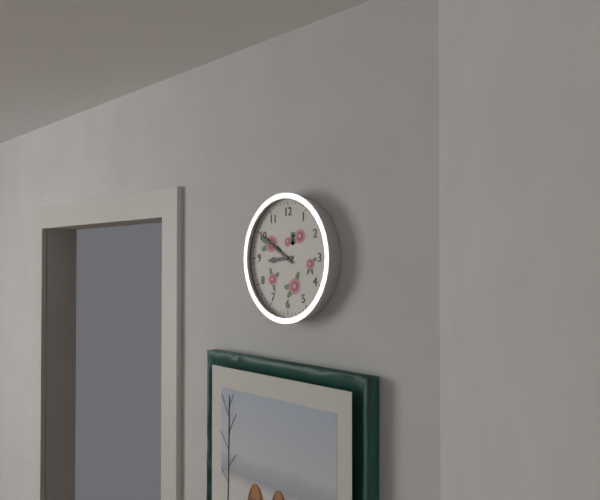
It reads h=8 m=50
